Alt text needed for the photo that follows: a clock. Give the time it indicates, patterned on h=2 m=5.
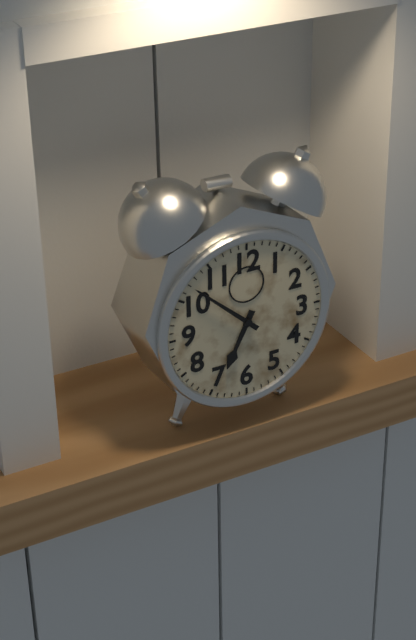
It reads h=6 m=52
